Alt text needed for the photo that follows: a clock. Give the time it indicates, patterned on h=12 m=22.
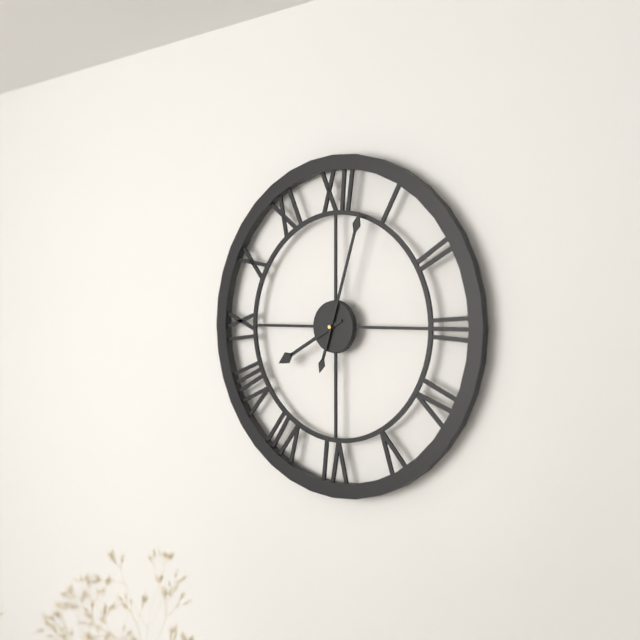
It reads h=8 m=3
